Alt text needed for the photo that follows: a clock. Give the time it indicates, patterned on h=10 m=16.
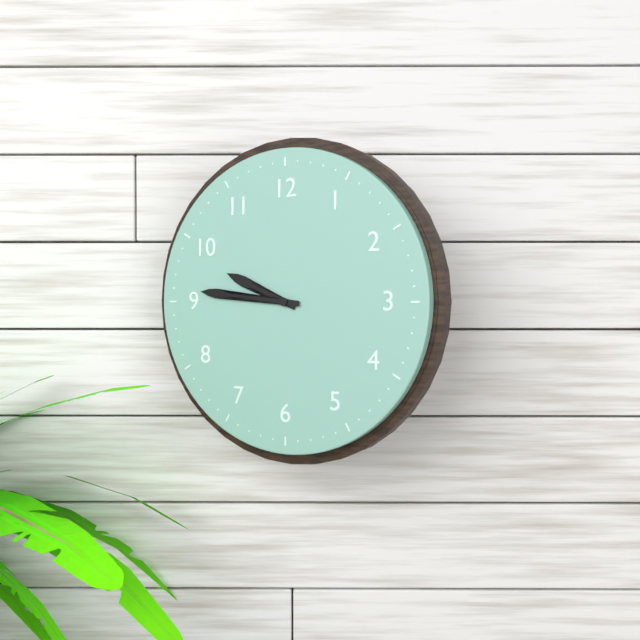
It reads h=9 m=46
